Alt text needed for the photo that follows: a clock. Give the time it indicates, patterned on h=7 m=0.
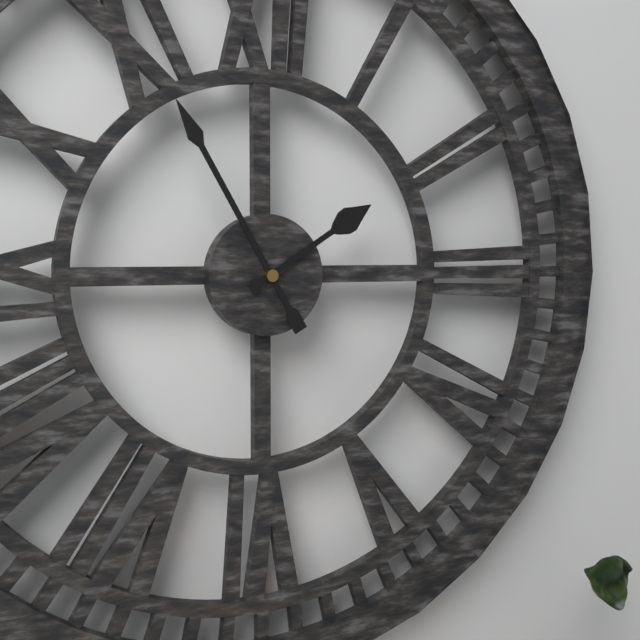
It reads h=1 m=55
